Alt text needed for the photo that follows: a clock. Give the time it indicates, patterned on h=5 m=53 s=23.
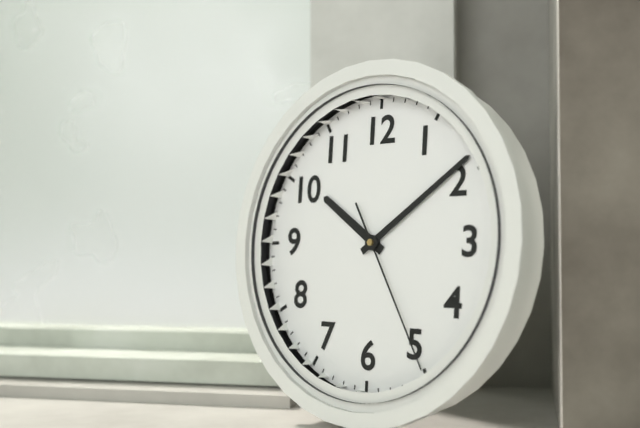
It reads h=10 m=9 s=25
